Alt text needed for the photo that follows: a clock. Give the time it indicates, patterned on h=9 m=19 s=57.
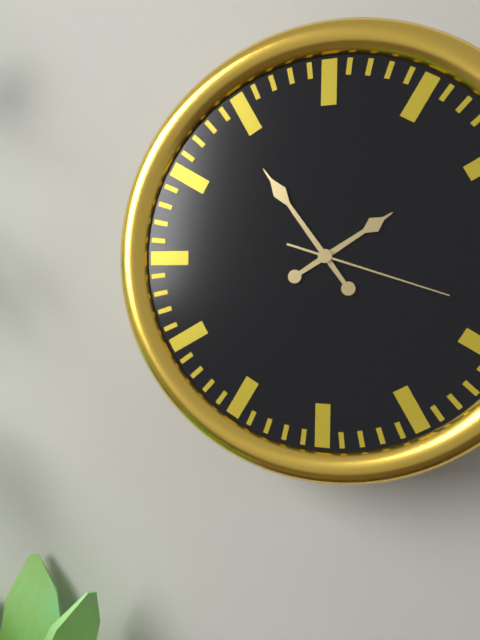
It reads h=1 m=54 s=18
